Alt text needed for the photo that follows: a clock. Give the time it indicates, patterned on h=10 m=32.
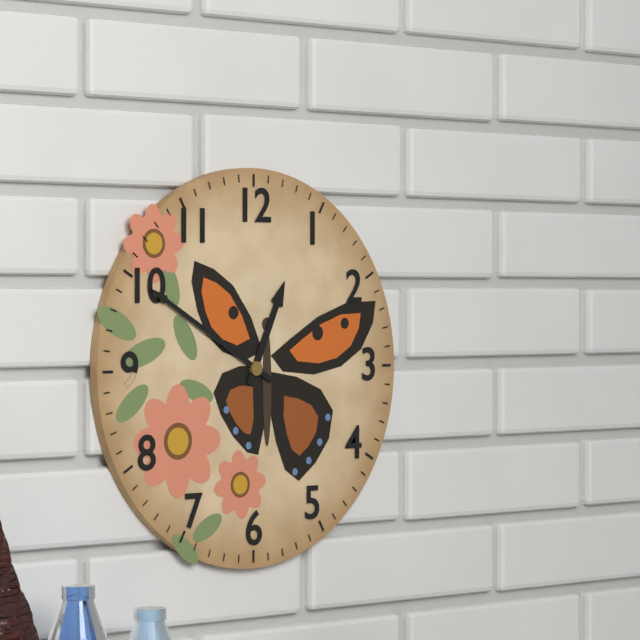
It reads h=12 m=50
